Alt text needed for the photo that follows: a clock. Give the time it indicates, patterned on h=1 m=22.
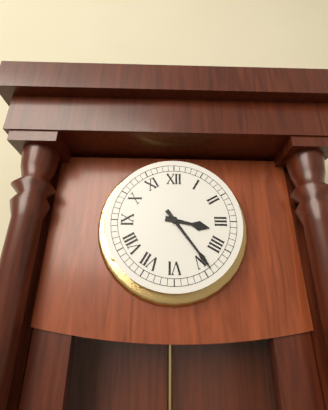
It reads h=3 m=24
